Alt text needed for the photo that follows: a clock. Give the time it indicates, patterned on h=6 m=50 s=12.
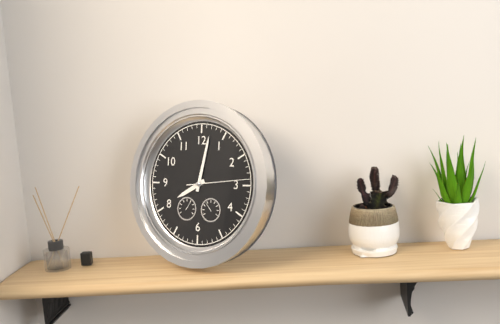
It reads h=8 m=2 s=14
